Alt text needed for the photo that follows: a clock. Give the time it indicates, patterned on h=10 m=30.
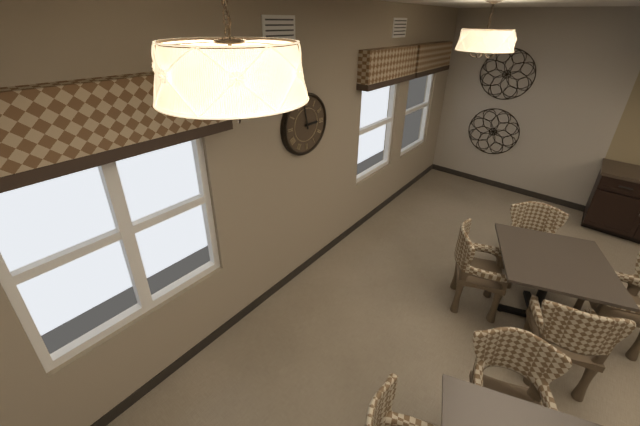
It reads h=2 m=58
